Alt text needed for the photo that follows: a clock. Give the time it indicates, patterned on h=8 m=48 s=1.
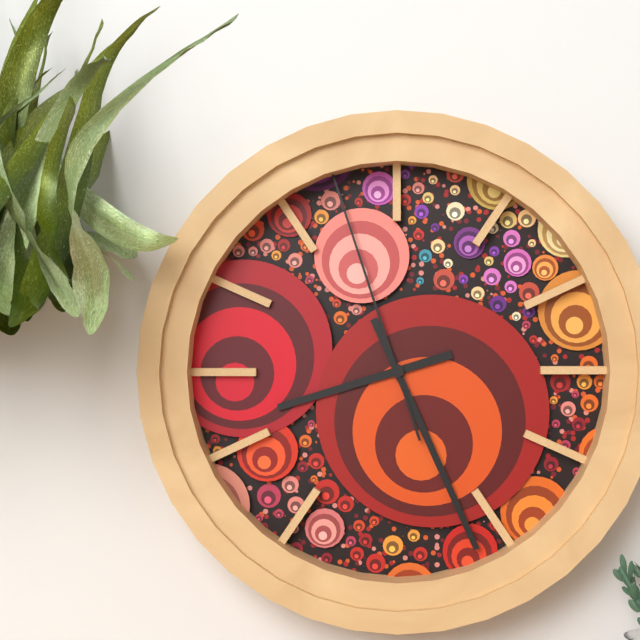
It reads h=8 m=26 s=57
